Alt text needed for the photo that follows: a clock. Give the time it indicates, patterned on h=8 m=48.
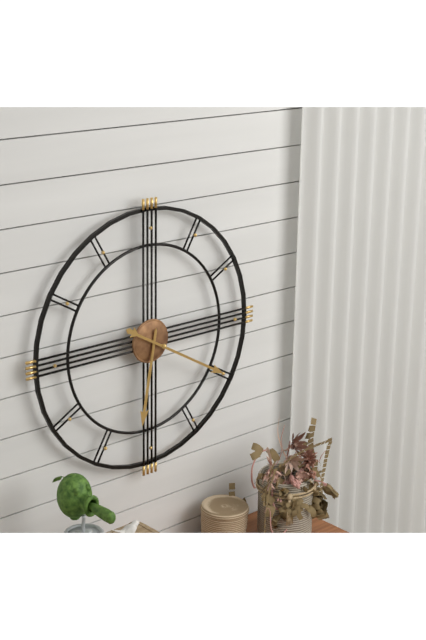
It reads h=6 m=20
